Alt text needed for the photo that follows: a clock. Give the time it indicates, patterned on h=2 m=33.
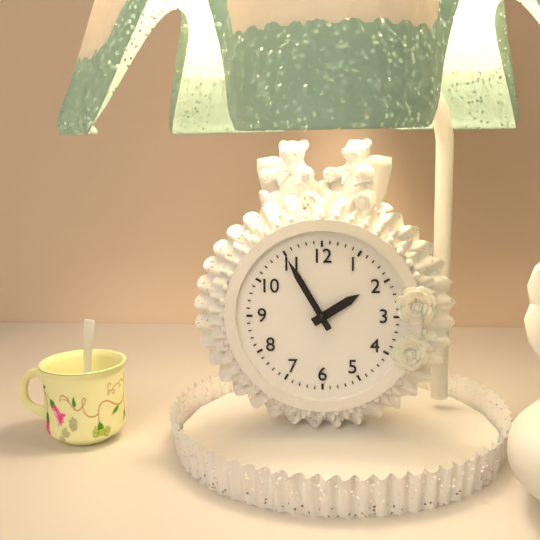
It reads h=1 m=55
